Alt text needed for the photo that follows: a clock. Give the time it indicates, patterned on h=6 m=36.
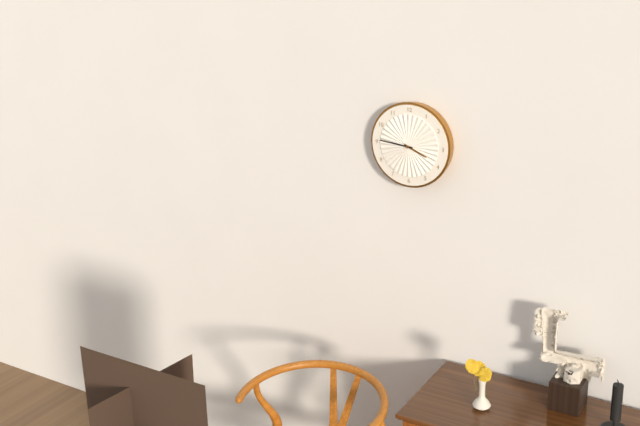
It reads h=3 m=46
